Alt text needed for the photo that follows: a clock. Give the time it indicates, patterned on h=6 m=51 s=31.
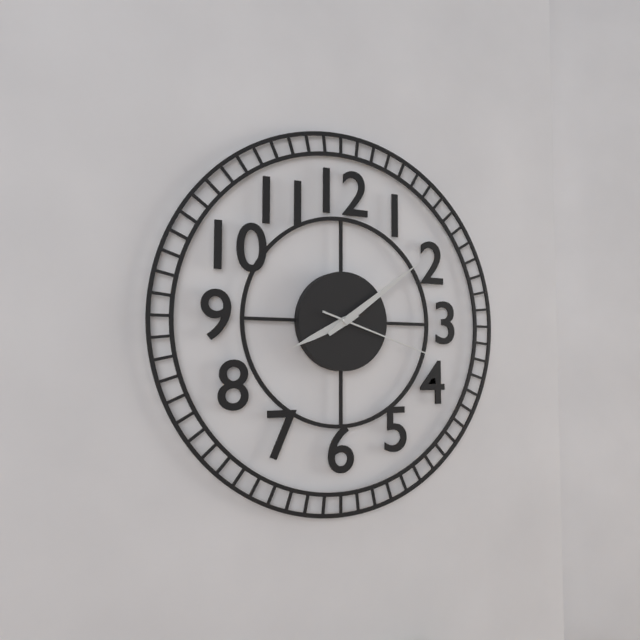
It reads h=8 m=9 s=18
